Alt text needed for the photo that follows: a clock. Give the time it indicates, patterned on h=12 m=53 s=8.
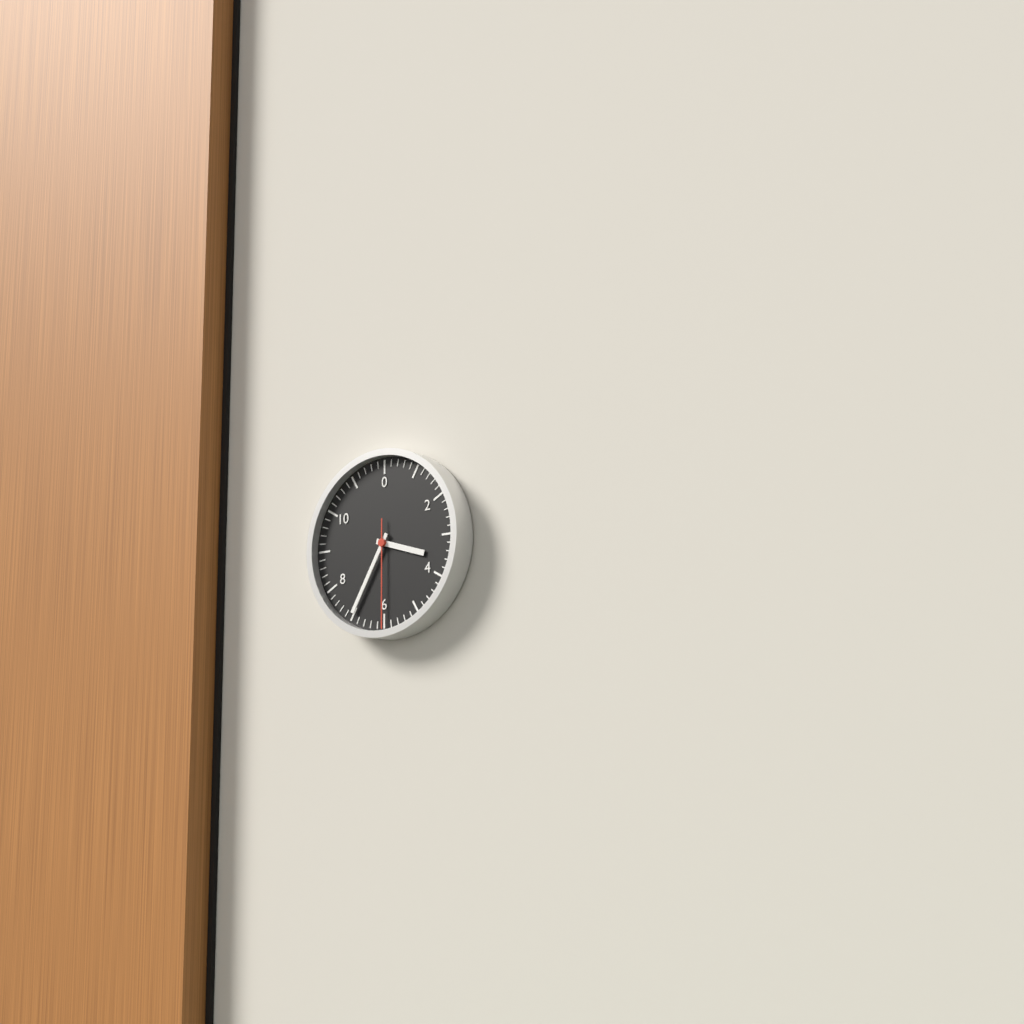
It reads h=3 m=35 s=30
